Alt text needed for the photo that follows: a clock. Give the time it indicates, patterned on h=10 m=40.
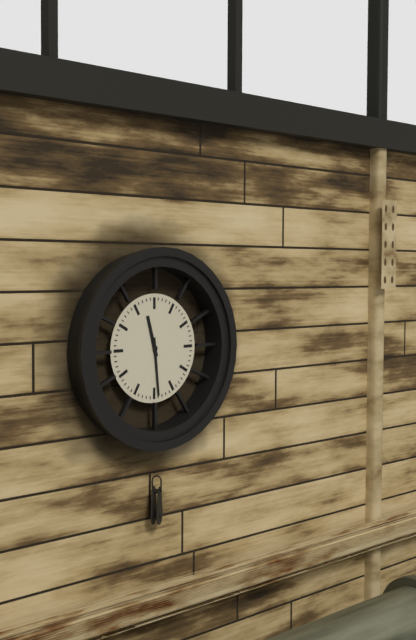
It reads h=11 m=29
